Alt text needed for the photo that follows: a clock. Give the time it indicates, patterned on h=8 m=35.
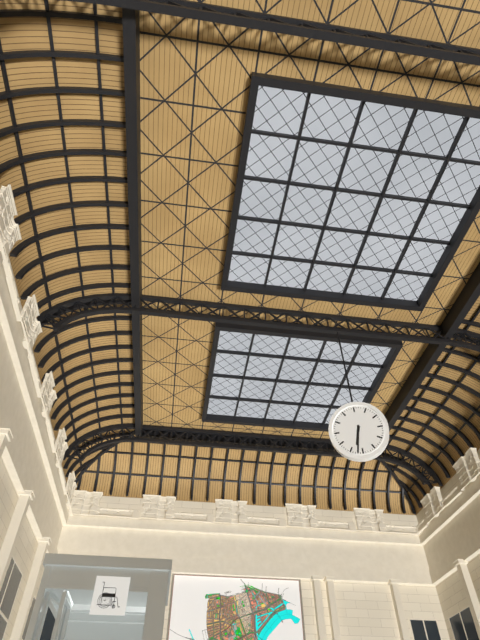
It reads h=6 m=32
